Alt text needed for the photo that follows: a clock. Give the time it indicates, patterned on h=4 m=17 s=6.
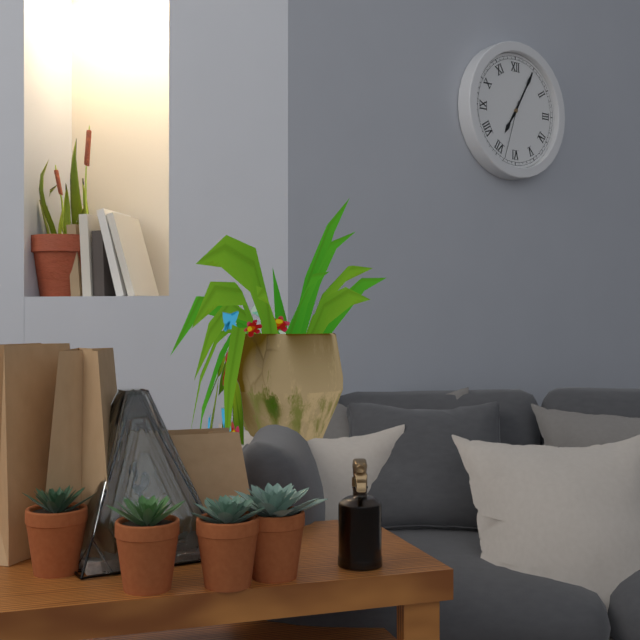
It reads h=7 m=5 s=33
